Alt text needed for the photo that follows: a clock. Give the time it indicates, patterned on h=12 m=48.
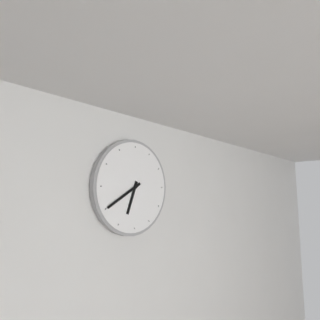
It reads h=6 m=40
